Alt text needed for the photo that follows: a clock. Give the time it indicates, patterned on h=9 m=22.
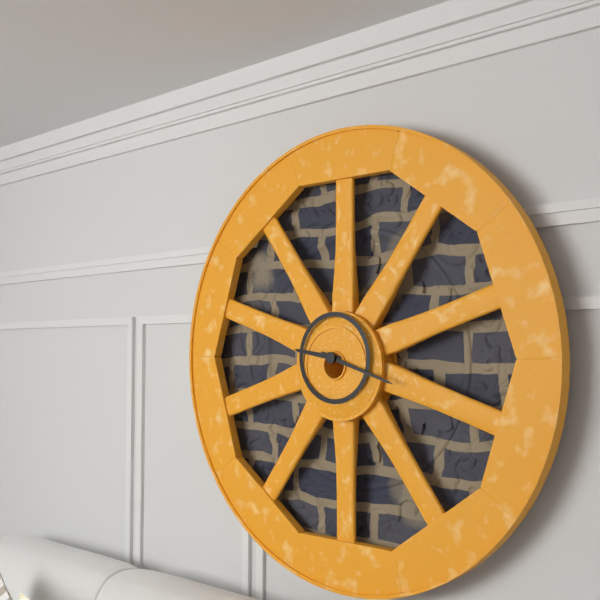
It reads h=9 m=18
